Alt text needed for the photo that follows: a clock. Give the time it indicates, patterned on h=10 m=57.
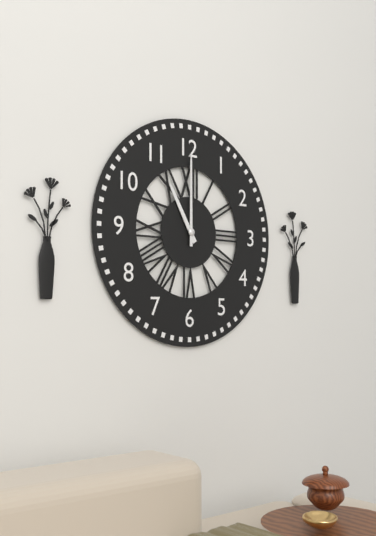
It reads h=11 m=0
